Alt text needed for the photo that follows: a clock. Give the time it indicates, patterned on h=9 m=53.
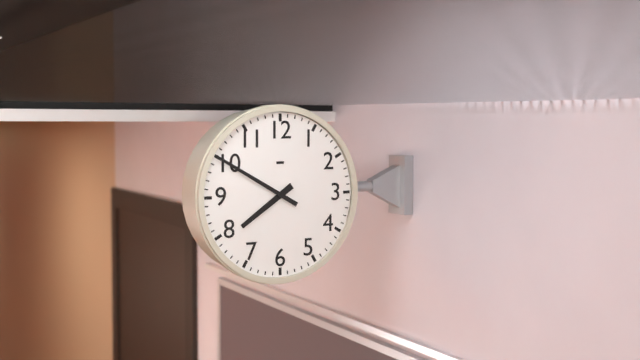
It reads h=7 m=50
